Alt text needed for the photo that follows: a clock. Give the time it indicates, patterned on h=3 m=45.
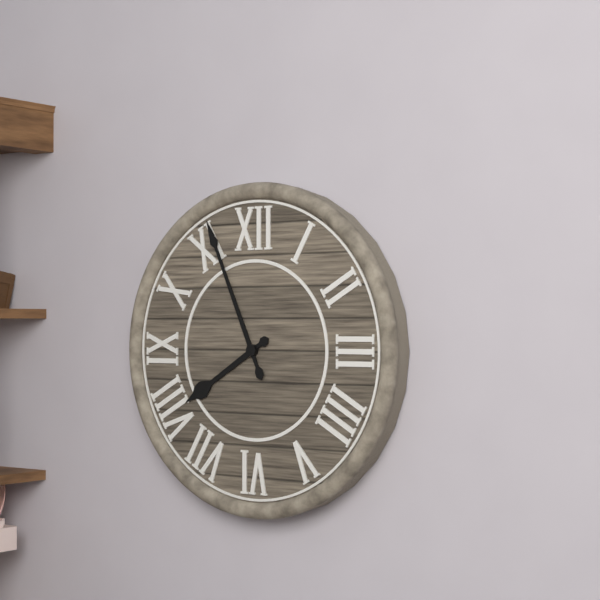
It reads h=7 m=56
